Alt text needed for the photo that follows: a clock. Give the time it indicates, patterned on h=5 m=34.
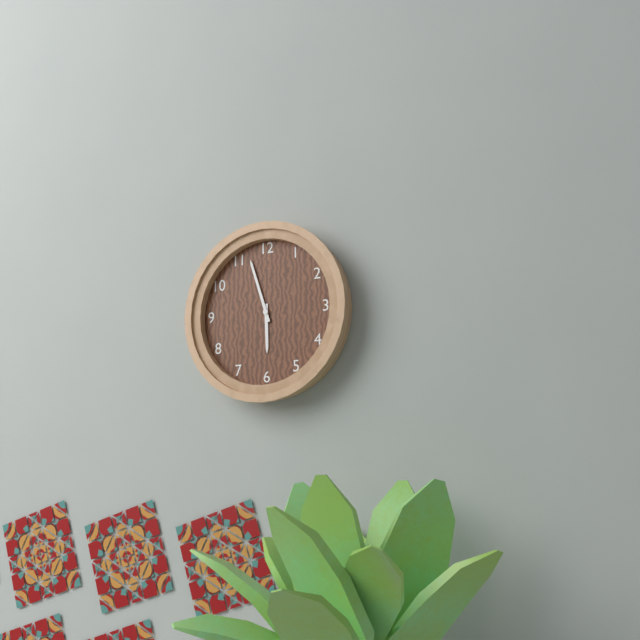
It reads h=5 m=57
